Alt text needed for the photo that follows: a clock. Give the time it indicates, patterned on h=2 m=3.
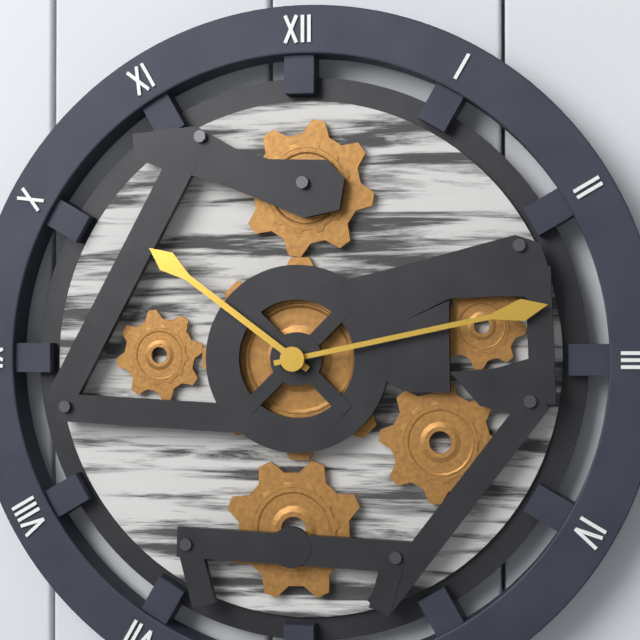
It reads h=10 m=13
